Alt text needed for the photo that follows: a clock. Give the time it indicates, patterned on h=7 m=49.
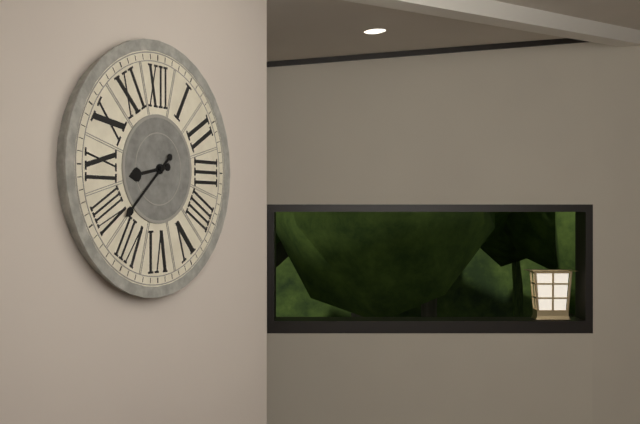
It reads h=8 m=38
